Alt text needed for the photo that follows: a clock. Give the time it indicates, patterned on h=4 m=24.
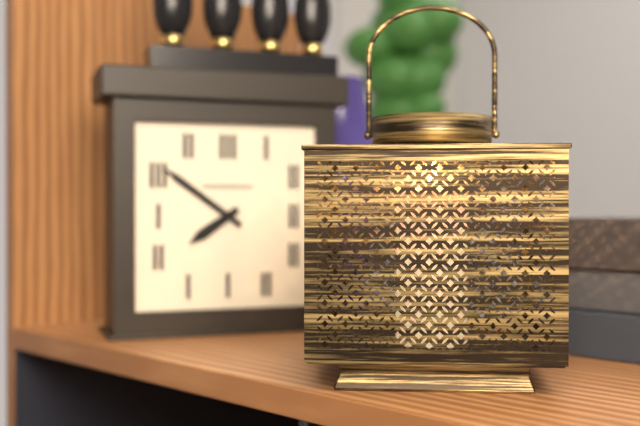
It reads h=7 m=51
